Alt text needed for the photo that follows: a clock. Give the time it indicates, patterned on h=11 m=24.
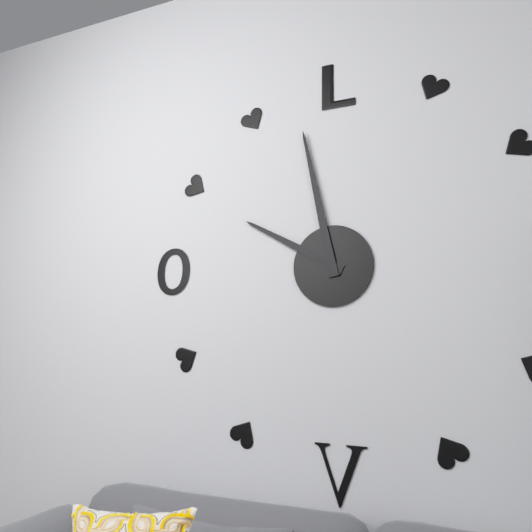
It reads h=9 m=58
